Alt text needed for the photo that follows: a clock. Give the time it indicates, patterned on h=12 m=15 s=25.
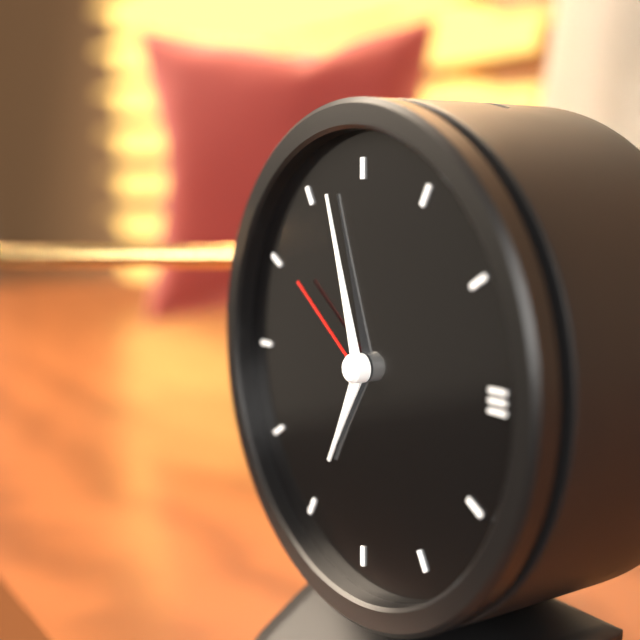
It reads h=6 m=57 s=51
